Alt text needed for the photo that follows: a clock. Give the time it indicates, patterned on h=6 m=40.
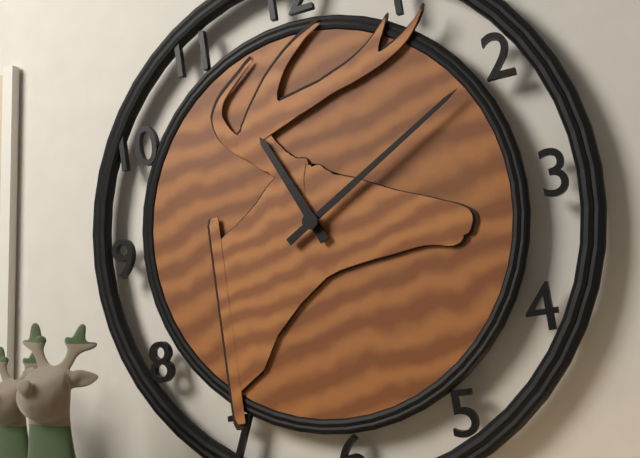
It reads h=11 m=10
